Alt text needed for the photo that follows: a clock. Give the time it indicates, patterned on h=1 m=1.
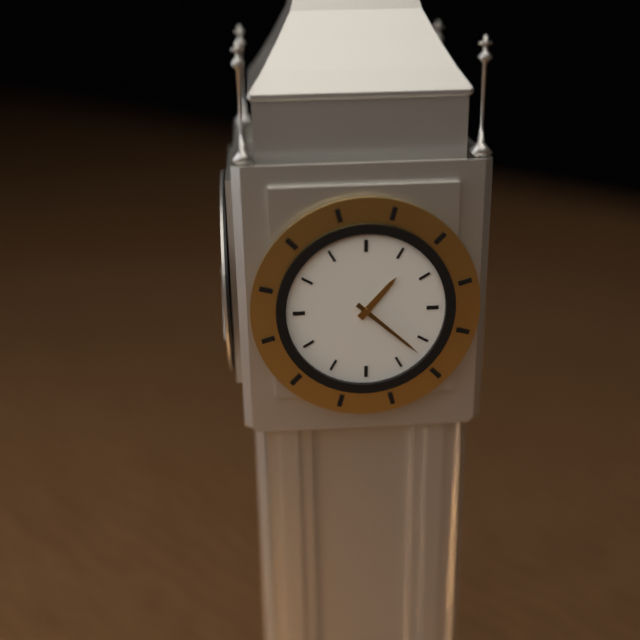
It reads h=1 m=22
